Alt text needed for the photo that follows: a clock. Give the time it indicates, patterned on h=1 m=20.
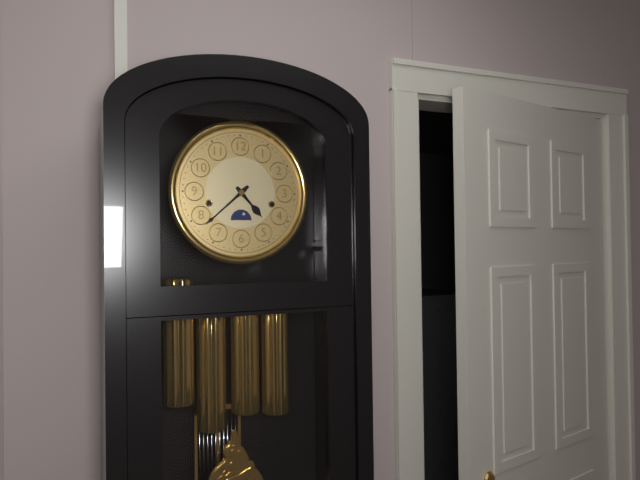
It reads h=4 m=38
